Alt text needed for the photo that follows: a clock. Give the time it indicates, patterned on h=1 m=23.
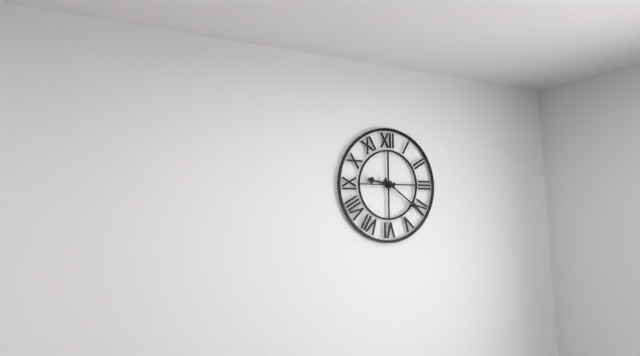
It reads h=9 m=21
